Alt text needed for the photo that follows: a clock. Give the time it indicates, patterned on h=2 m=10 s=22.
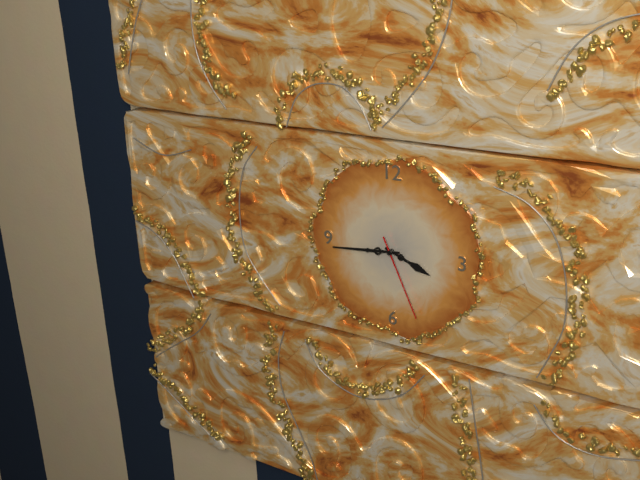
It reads h=3 m=44 s=26
